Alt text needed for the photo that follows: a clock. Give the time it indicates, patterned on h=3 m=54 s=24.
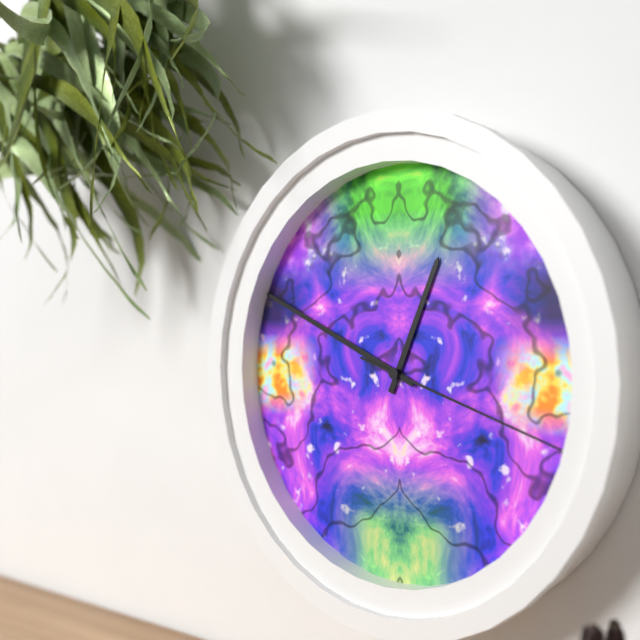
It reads h=12 m=49 s=18
